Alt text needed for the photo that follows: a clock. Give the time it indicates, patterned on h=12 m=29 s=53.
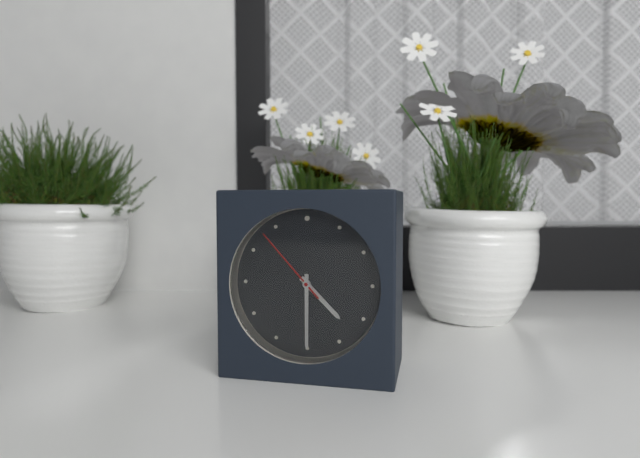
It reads h=4 m=30 s=53
